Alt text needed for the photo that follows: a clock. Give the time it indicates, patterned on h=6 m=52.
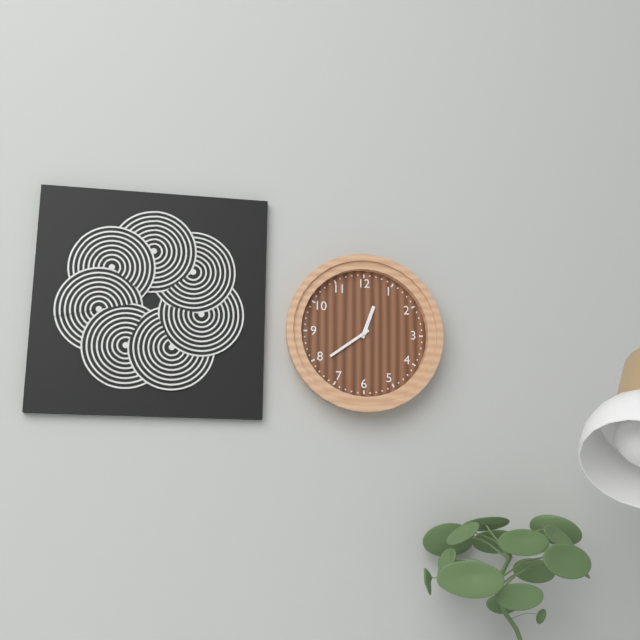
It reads h=12 m=39
